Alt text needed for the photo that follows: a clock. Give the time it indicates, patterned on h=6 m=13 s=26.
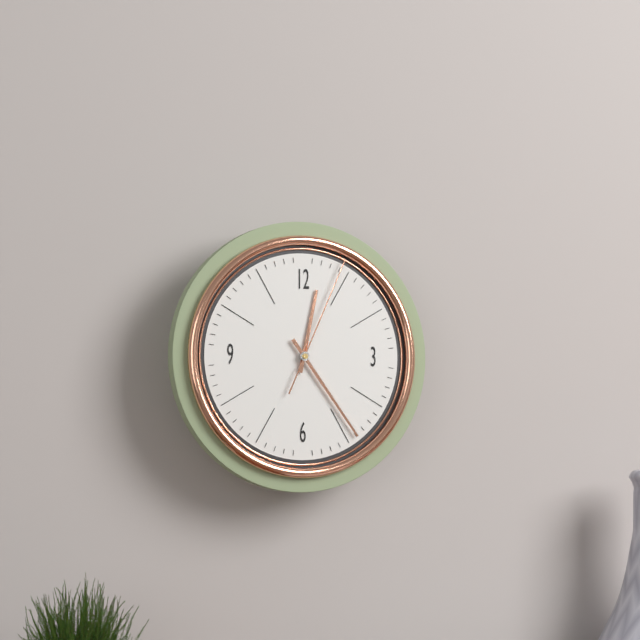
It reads h=12 m=24 s=4
